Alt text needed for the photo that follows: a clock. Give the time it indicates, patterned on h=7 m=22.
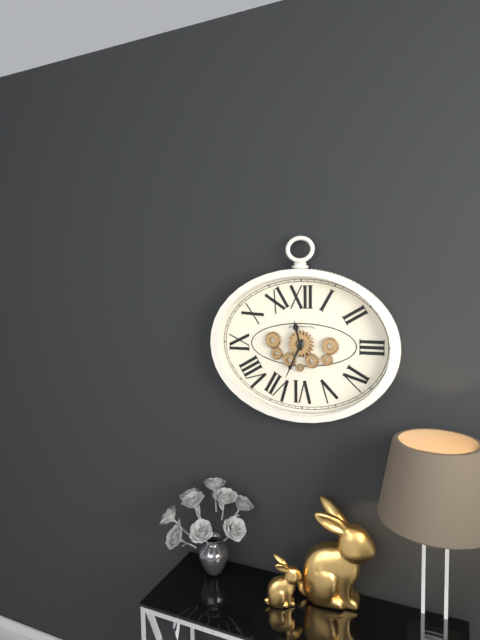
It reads h=11 m=34
